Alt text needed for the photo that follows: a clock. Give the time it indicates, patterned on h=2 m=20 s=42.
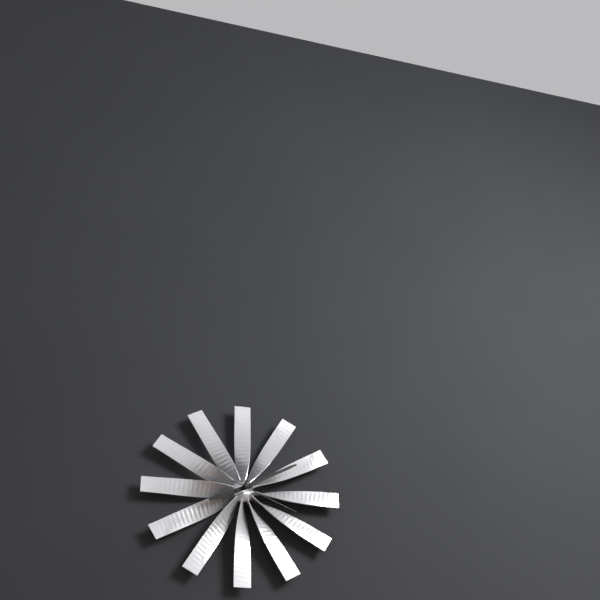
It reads h=8 m=10 s=19
